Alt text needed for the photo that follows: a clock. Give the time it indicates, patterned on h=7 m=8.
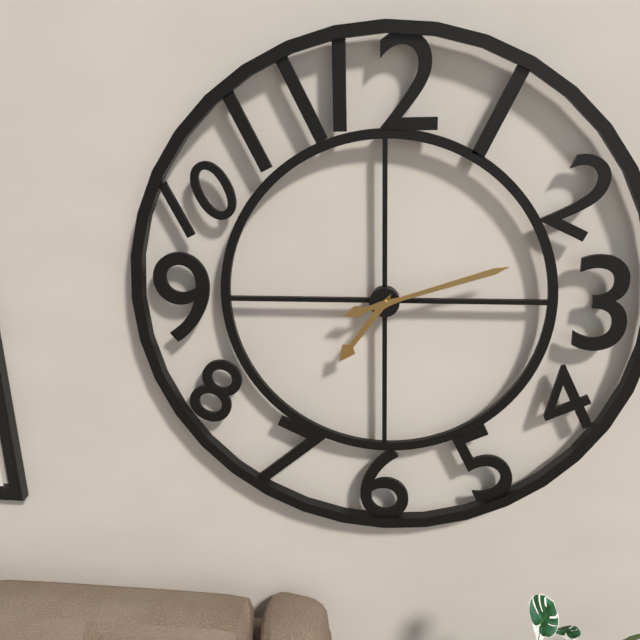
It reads h=7 m=12
